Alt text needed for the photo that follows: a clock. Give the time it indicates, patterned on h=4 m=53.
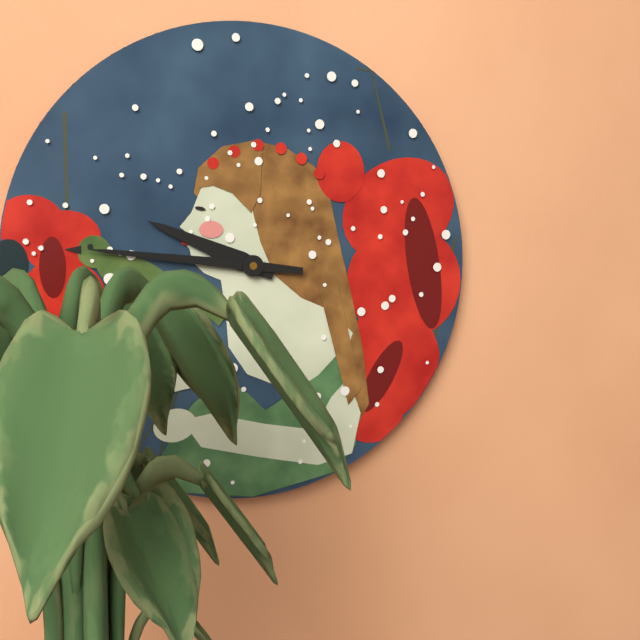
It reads h=9 m=46
